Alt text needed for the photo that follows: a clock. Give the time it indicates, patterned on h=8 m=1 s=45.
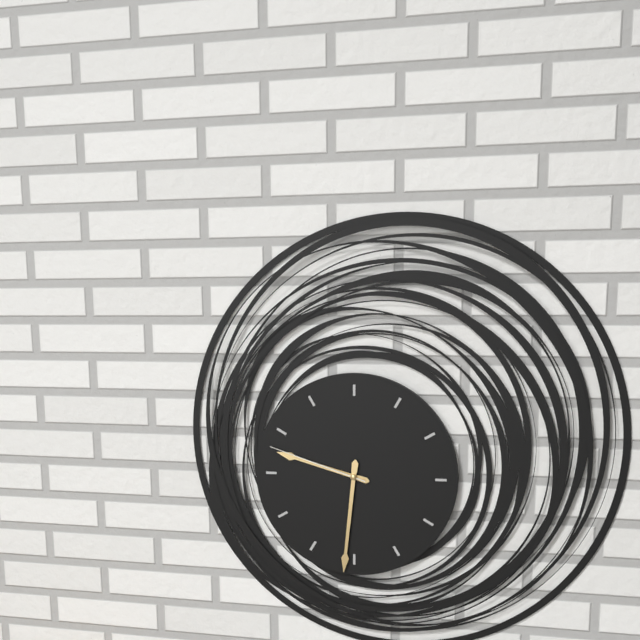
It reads h=9 m=31 s=48
